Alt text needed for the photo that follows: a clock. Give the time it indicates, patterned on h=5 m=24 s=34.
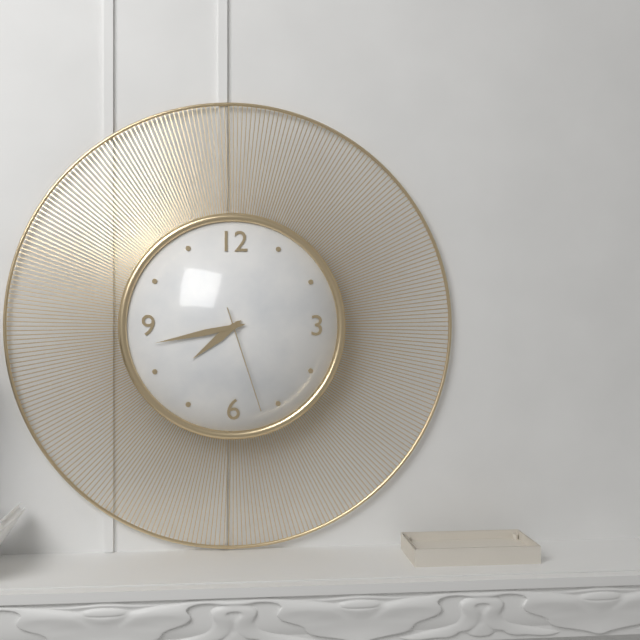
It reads h=7 m=43 s=27
